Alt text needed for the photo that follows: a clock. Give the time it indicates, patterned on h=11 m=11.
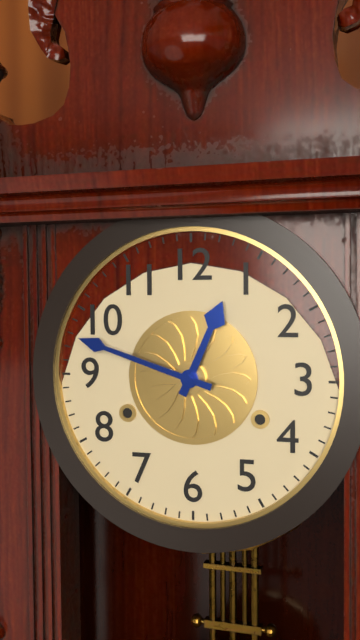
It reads h=12 m=48
